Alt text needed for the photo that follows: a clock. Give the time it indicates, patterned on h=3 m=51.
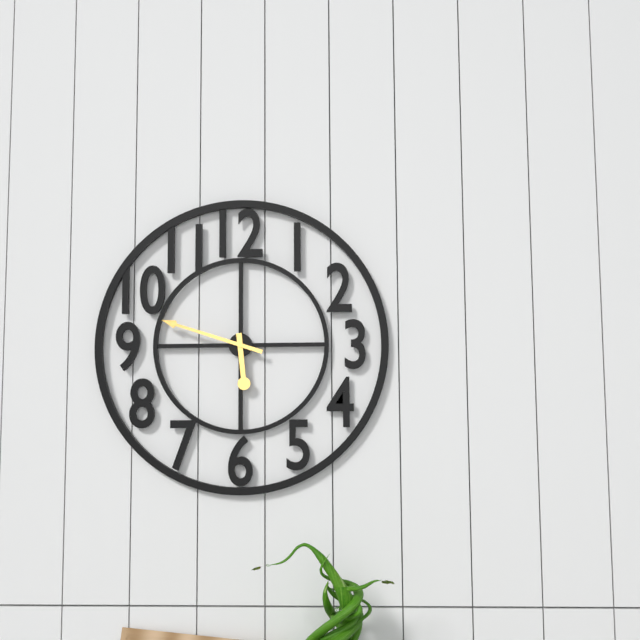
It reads h=5 m=48
